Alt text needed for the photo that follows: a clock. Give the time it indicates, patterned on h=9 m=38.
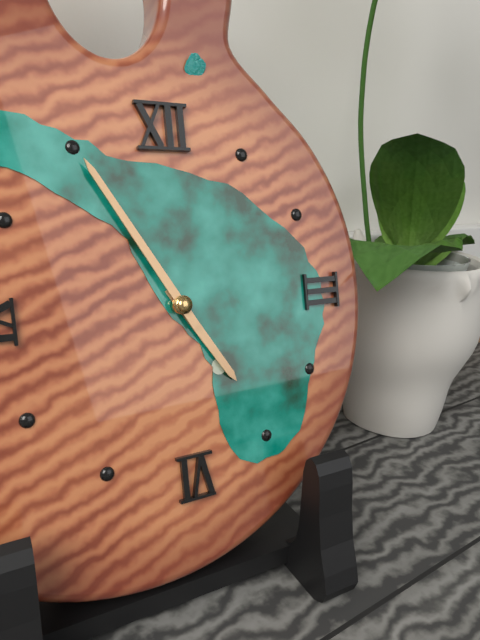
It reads h=4 m=55
